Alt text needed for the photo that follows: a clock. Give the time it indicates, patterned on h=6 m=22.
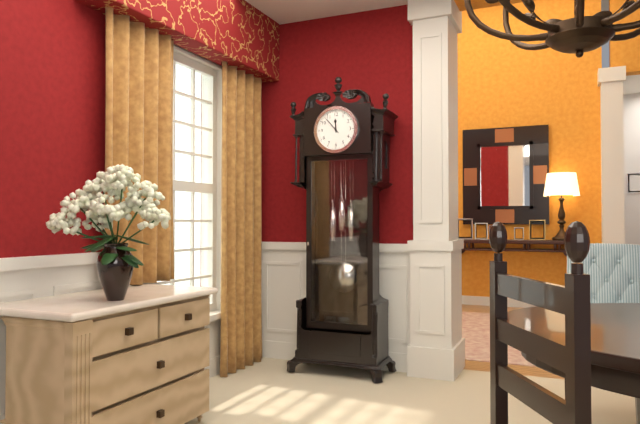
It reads h=11 m=53
